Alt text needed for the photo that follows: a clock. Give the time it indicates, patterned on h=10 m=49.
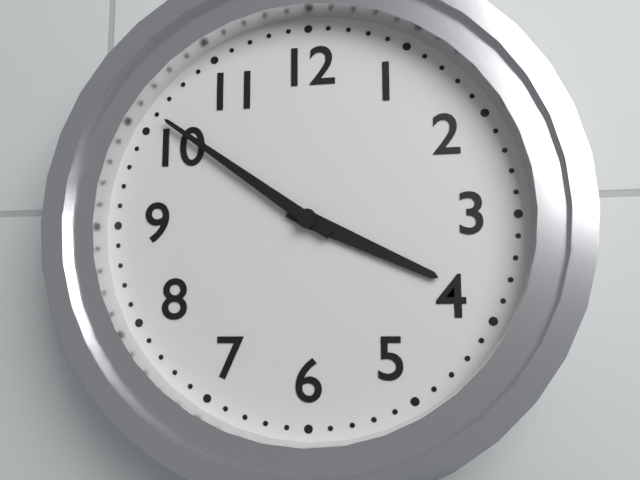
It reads h=3 m=51
